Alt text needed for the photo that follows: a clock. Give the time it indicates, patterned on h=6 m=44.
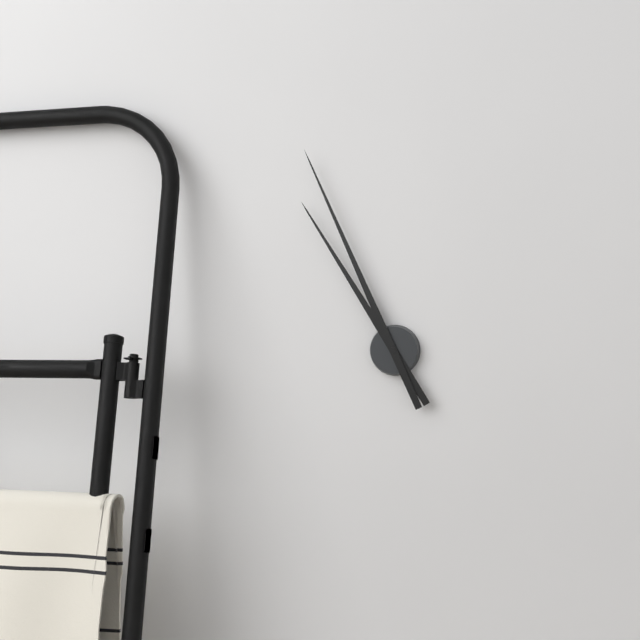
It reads h=10 m=56
